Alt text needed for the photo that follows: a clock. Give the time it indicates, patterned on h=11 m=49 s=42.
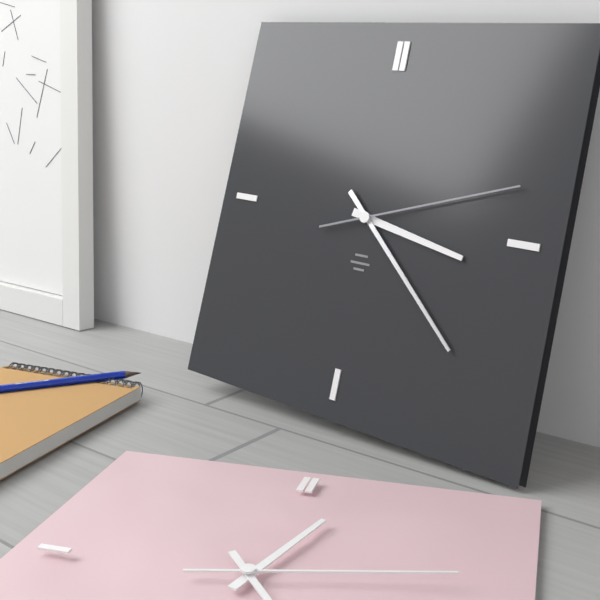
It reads h=3 m=22 s=12
